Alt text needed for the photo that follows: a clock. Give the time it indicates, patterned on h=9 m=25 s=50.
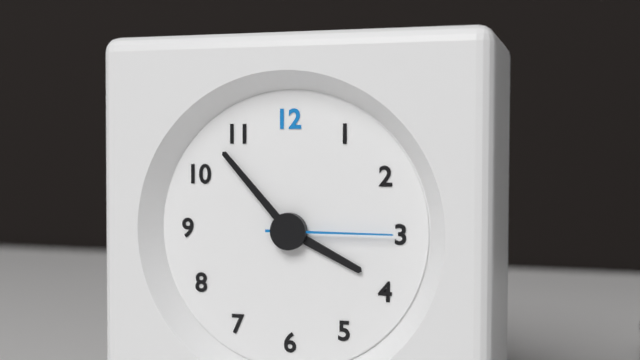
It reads h=3 m=53 s=15
